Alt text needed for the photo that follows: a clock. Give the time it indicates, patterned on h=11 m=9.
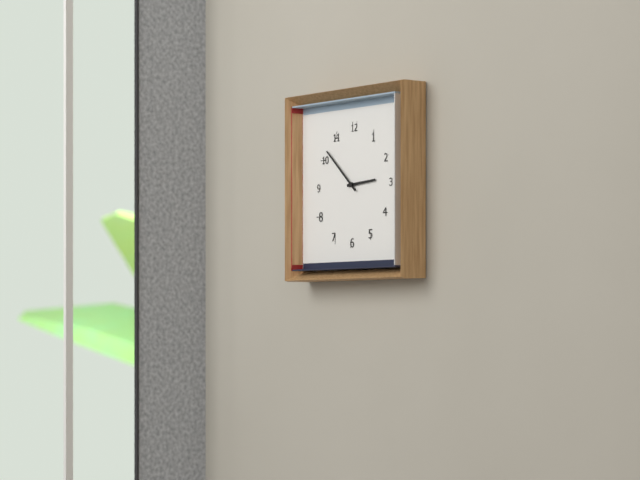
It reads h=2 m=52
